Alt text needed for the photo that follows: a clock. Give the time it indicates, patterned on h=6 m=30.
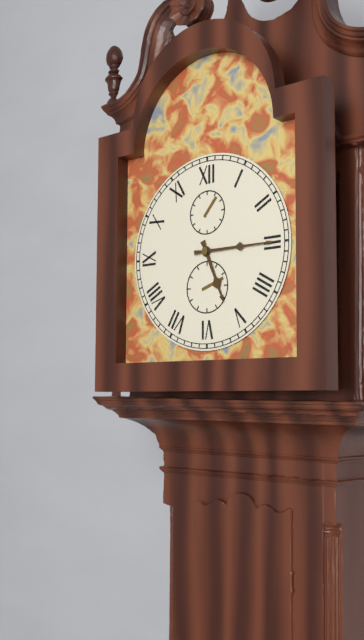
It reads h=5 m=15
